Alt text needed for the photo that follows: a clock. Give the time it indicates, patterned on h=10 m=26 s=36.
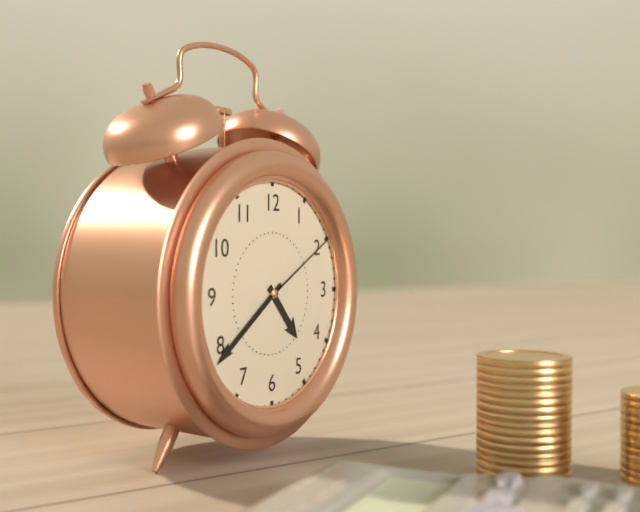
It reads h=4 m=39 s=10
